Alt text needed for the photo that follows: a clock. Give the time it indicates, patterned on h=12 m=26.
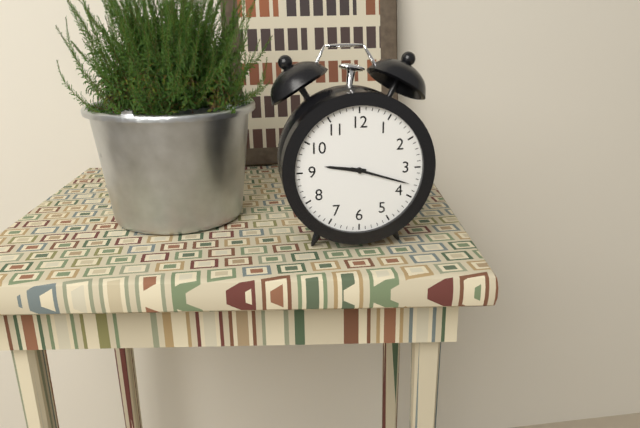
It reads h=9 m=18
